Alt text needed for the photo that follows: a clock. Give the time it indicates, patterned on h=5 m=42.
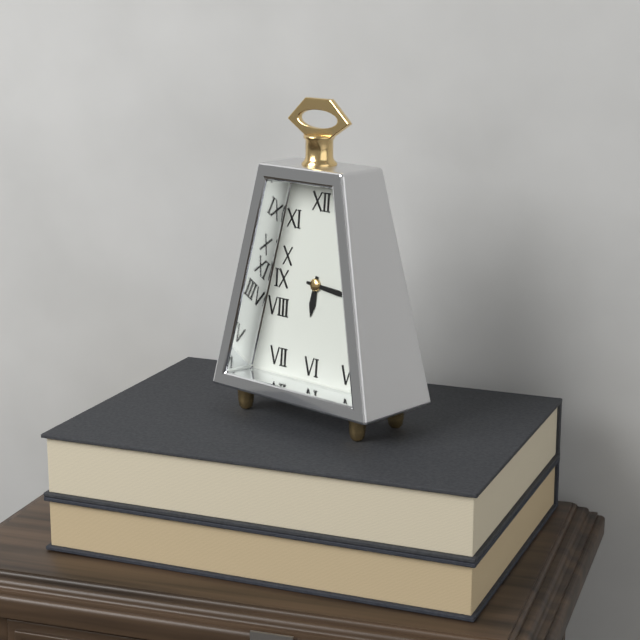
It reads h=6 m=16
